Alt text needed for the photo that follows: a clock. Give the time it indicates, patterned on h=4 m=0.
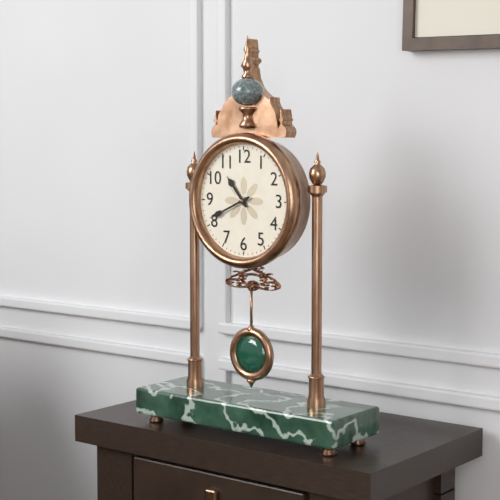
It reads h=10 m=41
